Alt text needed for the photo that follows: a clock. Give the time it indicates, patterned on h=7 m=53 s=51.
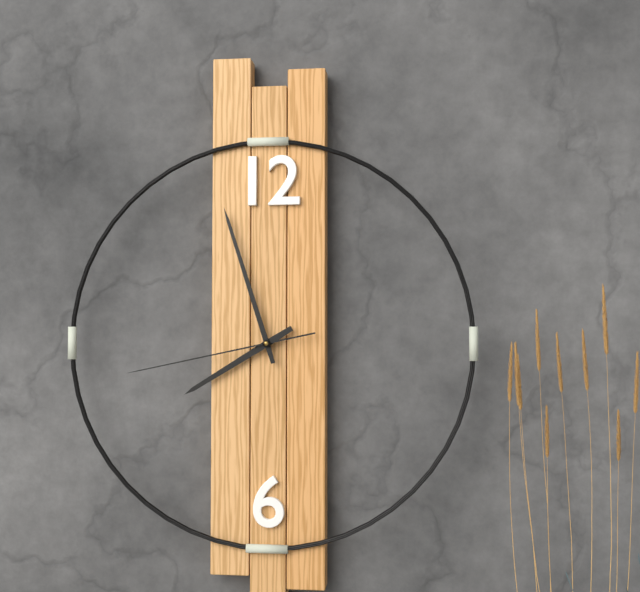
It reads h=7 m=57 s=43
